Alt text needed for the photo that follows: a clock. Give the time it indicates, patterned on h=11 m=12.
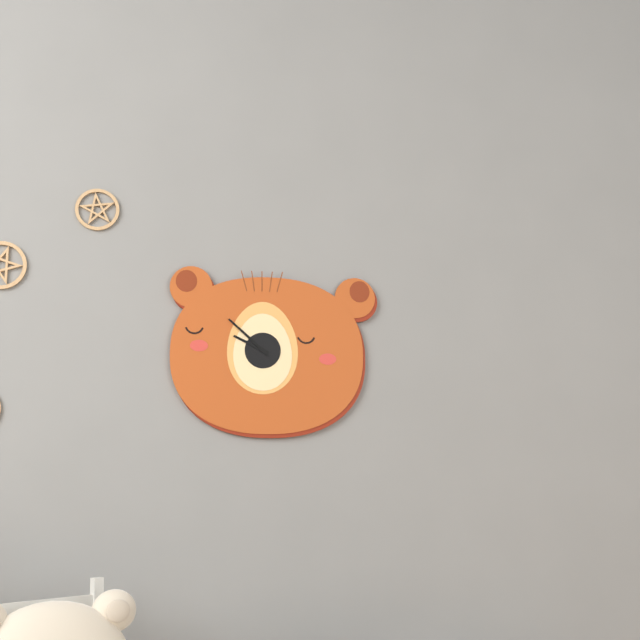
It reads h=9 m=52
